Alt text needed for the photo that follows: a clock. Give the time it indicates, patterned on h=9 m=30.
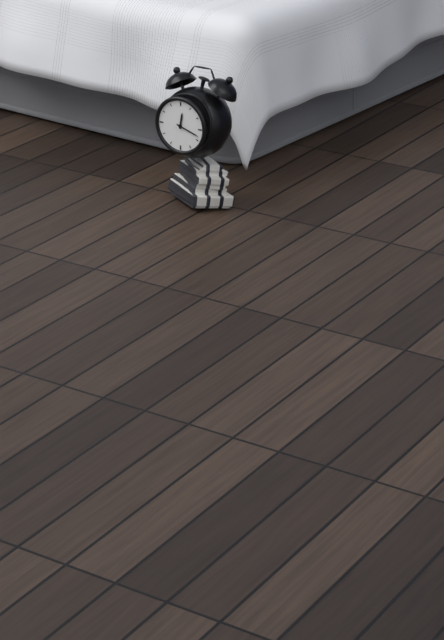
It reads h=12 m=18
